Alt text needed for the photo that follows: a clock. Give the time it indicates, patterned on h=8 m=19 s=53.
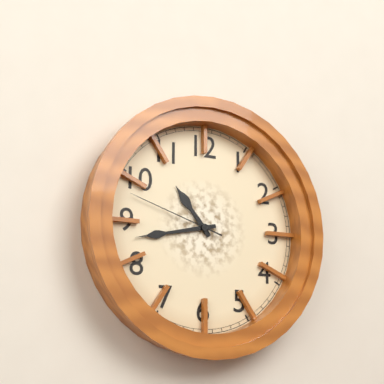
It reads h=10 m=43 s=48
